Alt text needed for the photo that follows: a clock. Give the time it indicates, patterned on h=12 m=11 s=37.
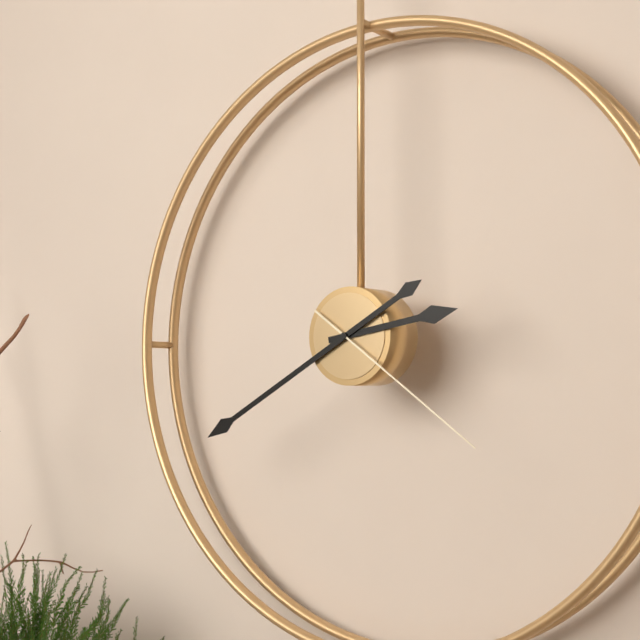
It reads h=2 m=40 s=21
